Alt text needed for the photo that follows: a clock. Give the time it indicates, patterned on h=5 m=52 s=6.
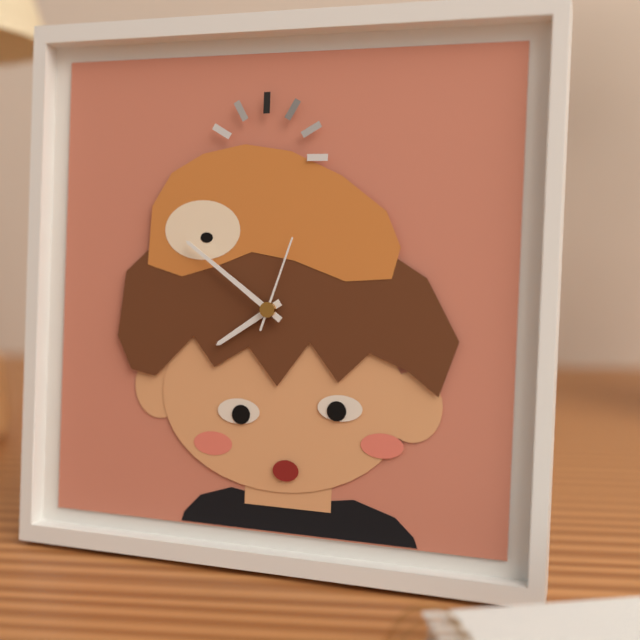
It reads h=7 m=51 s=3
